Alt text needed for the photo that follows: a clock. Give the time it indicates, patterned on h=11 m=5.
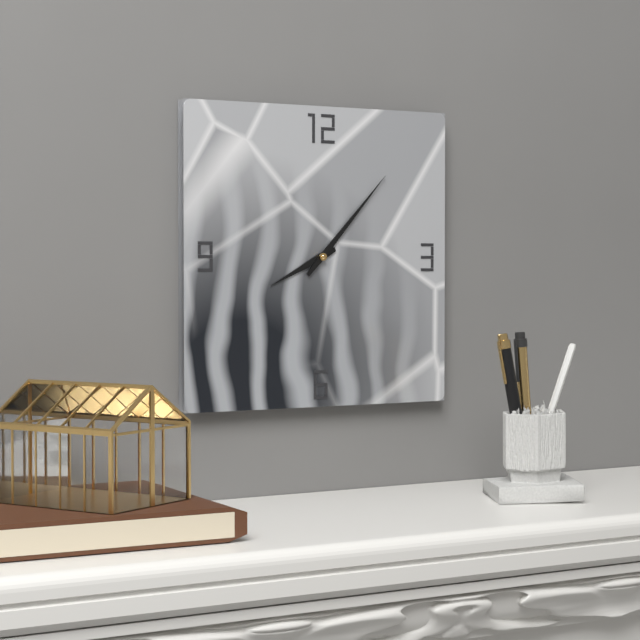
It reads h=8 m=7
